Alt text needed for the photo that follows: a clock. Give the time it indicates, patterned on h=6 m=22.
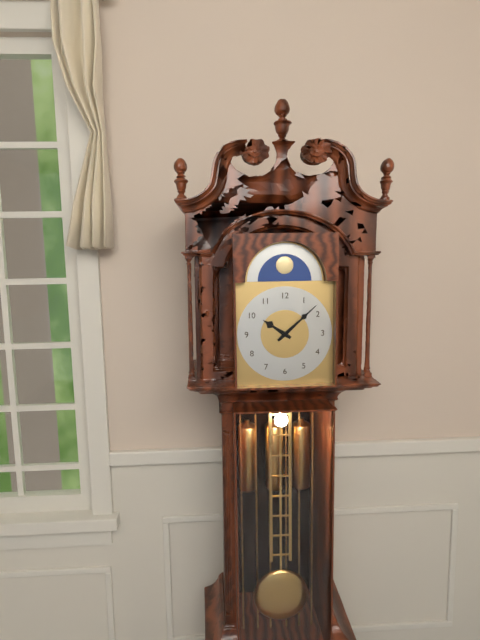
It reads h=10 m=8
